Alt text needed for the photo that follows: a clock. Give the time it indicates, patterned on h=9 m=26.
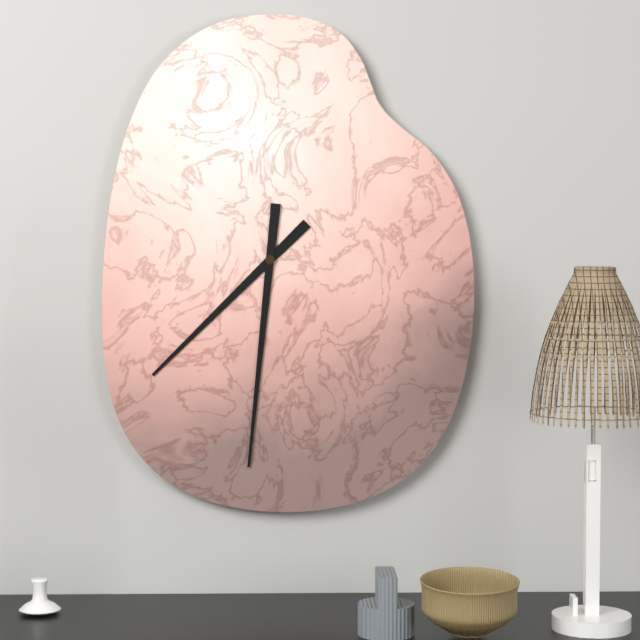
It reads h=7 m=31
